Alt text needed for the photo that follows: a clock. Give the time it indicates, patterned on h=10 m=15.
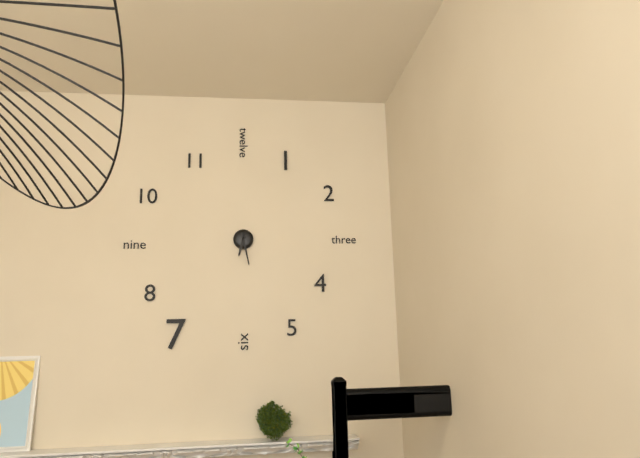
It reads h=6 m=28
